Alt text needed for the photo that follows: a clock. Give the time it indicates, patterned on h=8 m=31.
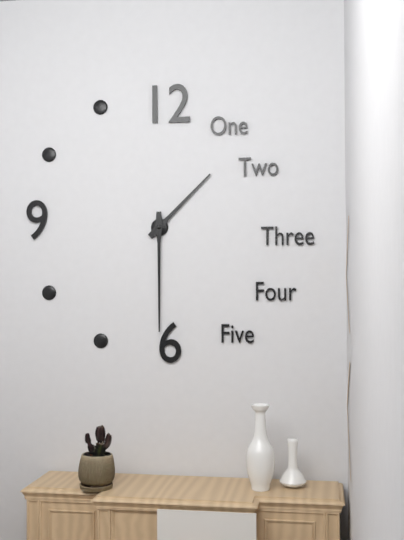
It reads h=1 m=30
